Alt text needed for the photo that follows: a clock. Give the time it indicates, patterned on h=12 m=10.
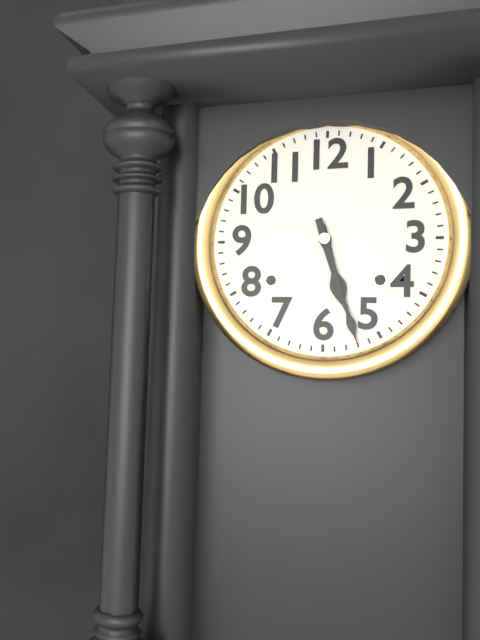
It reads h=5 m=27
